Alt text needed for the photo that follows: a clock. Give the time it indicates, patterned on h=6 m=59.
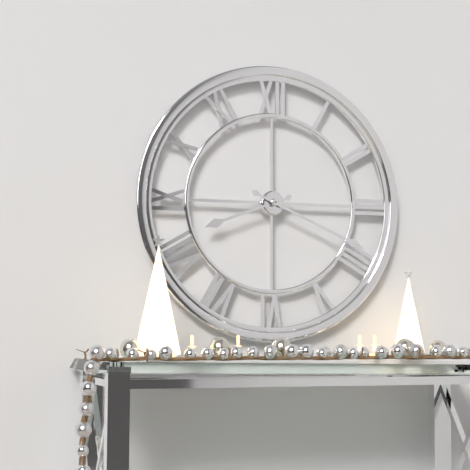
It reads h=8 m=19
